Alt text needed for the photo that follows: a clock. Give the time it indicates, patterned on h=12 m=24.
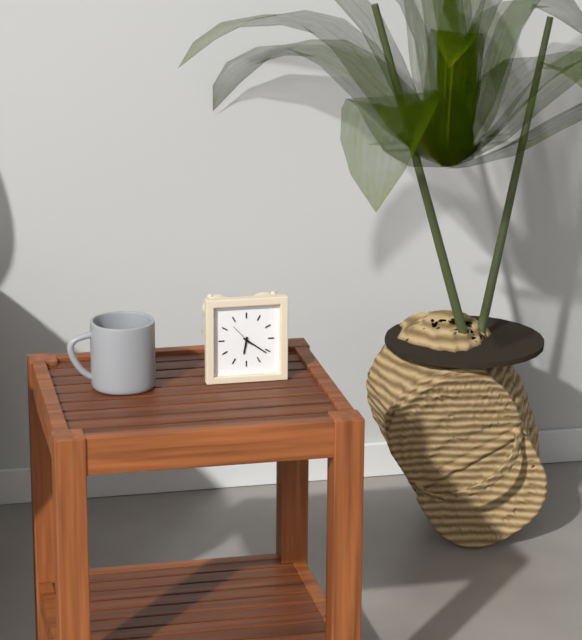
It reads h=6 m=21
